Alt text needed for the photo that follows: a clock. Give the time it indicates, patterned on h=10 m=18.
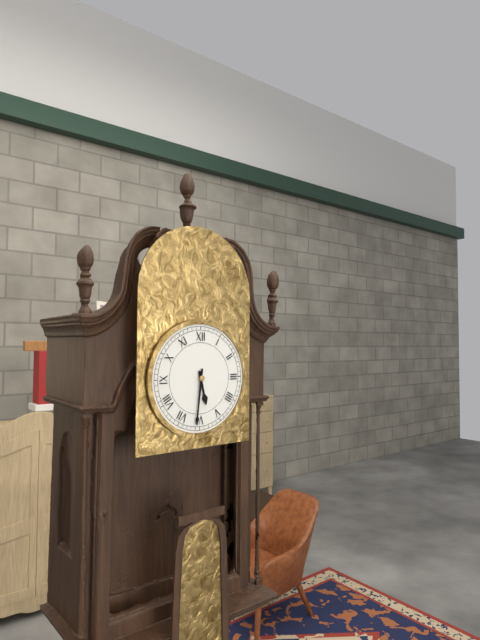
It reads h=5 m=31
